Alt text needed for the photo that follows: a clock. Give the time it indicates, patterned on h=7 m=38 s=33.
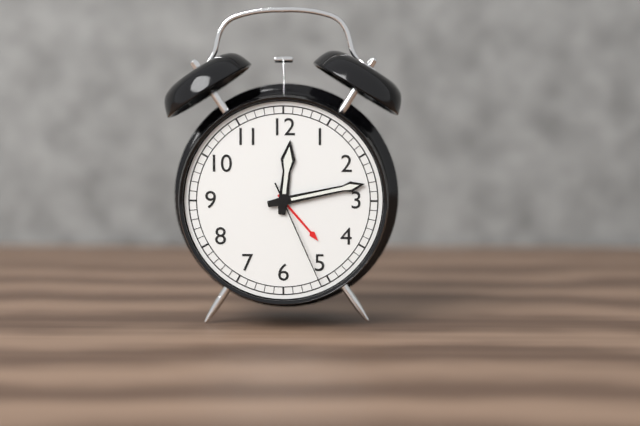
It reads h=12 m=13 s=26
